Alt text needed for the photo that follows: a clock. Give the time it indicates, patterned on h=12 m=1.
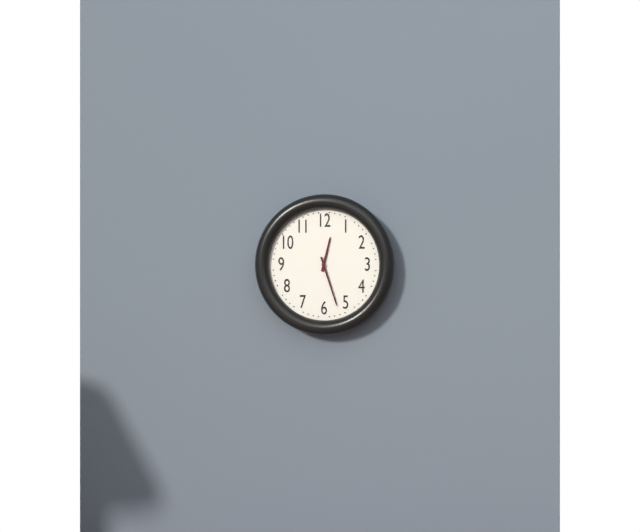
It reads h=12 m=27
